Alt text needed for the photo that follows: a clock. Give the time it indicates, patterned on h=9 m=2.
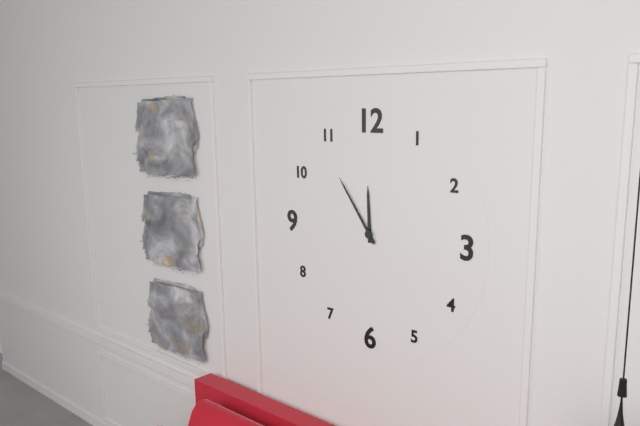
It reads h=11 m=54
